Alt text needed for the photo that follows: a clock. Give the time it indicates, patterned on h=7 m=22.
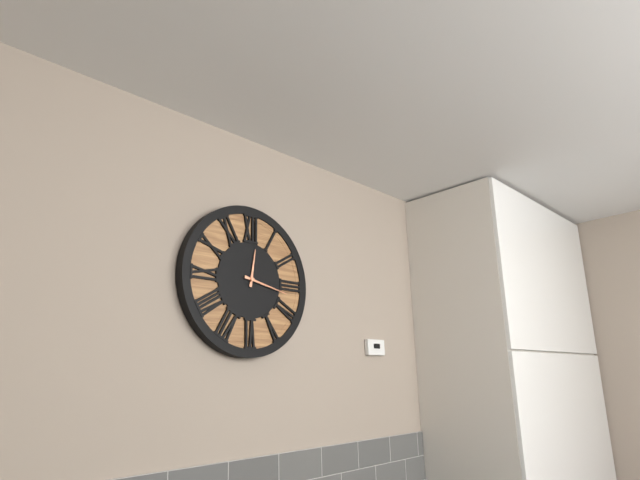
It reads h=12 m=17
